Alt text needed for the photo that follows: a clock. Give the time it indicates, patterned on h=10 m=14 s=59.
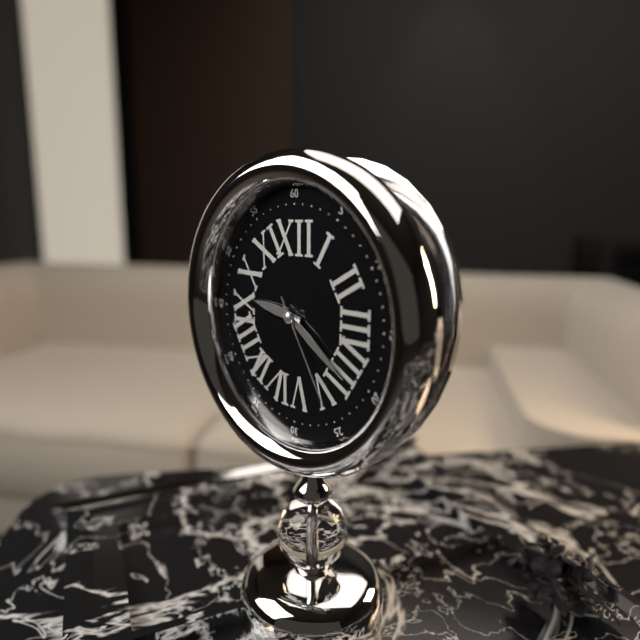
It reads h=9 m=21 s=25
